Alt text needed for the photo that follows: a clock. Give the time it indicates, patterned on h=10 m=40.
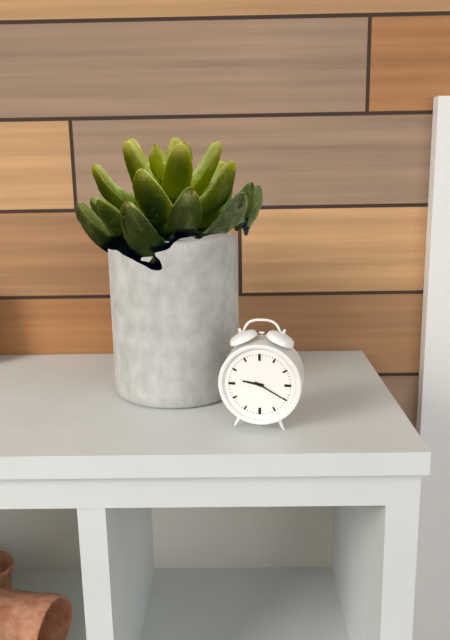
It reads h=9 m=20
